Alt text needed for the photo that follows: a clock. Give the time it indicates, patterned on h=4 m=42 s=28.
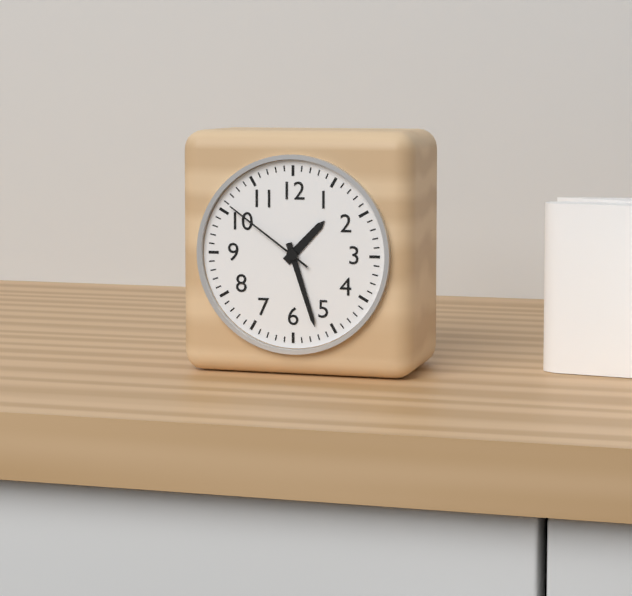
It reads h=1 m=27 s=51
